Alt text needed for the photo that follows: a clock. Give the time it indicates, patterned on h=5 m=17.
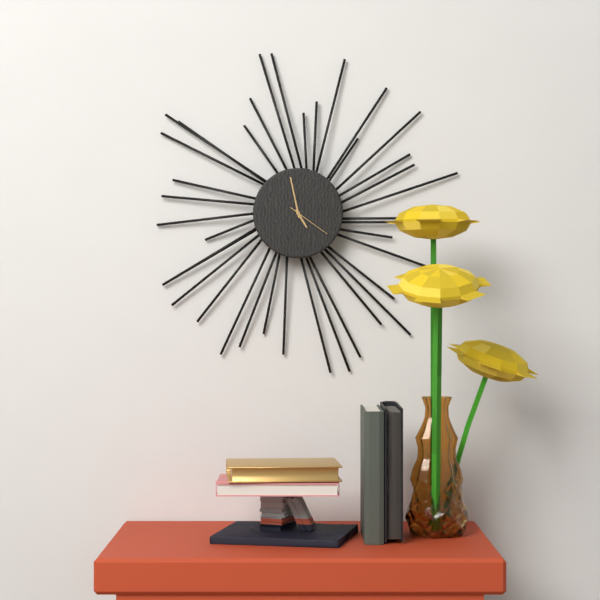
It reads h=4 m=58
